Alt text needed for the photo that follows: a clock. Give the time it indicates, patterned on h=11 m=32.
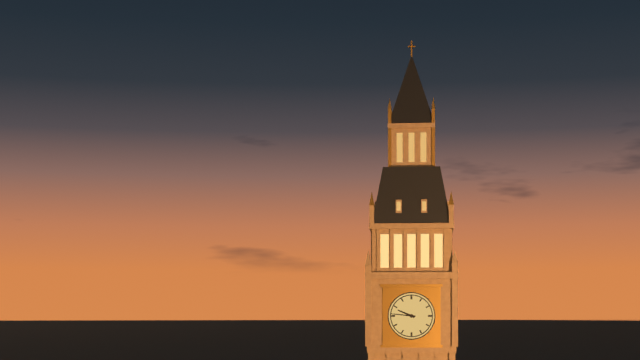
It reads h=9 m=46
